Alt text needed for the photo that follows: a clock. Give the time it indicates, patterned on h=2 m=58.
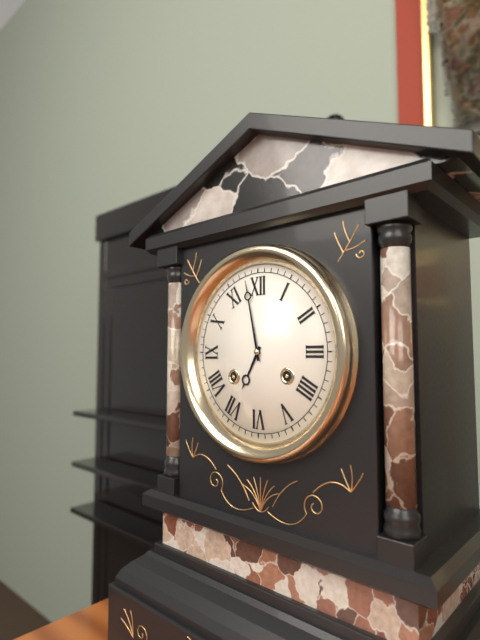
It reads h=6 m=58
